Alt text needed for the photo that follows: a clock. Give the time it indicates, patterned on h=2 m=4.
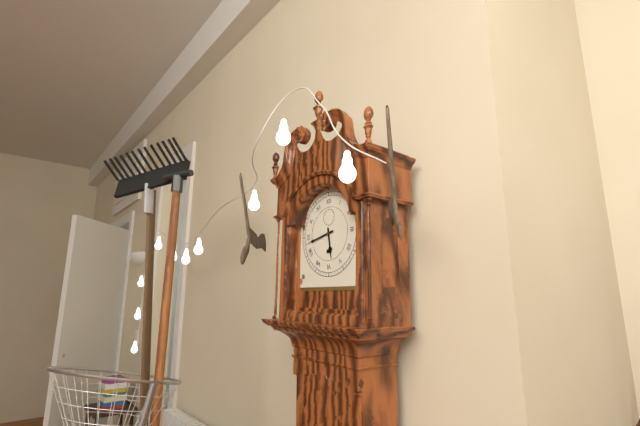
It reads h=5 m=43
